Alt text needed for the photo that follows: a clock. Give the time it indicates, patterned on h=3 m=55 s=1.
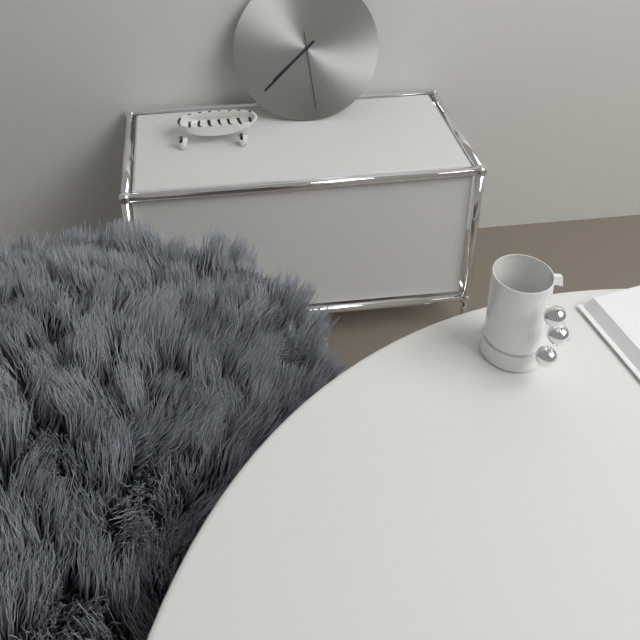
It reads h=7 m=38 s=29
